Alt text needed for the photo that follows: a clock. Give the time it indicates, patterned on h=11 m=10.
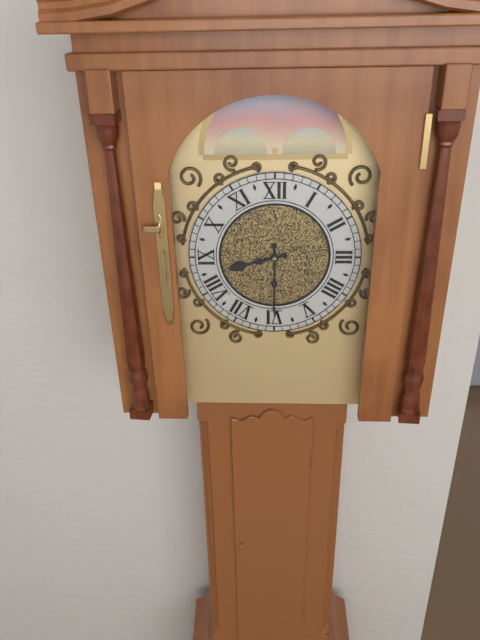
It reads h=8 m=30
